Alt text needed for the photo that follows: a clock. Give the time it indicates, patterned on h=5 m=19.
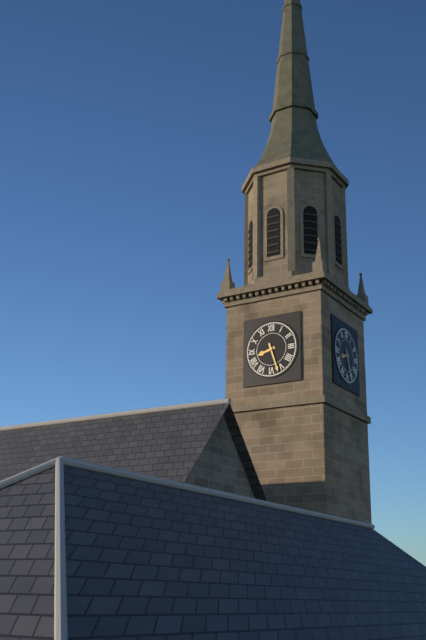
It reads h=8 m=27
